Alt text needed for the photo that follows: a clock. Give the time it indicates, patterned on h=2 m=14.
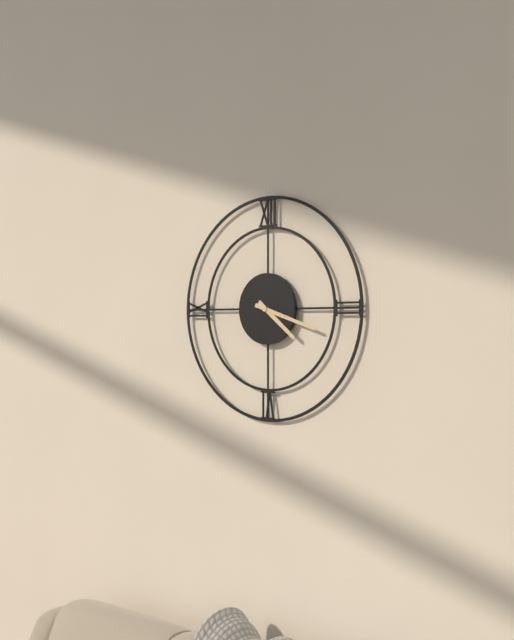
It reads h=4 m=18
